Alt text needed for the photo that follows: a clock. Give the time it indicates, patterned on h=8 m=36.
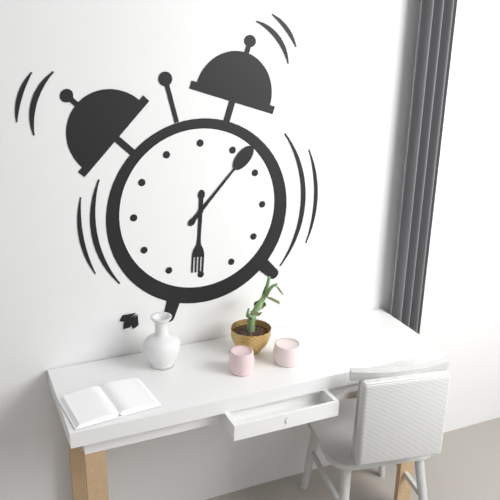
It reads h=6 m=7
